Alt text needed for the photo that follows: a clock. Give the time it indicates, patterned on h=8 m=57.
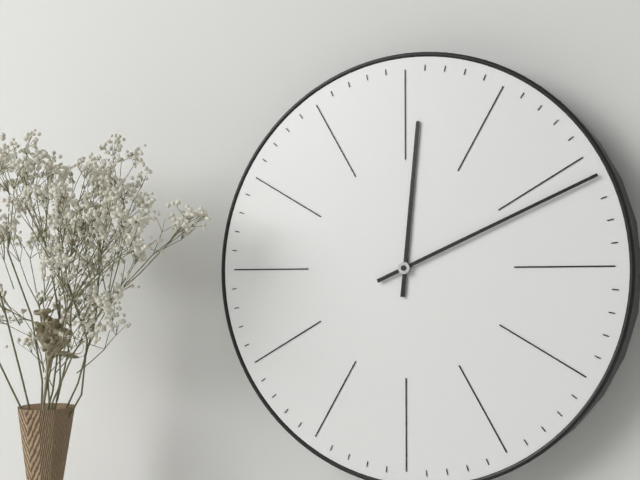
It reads h=12 m=11
